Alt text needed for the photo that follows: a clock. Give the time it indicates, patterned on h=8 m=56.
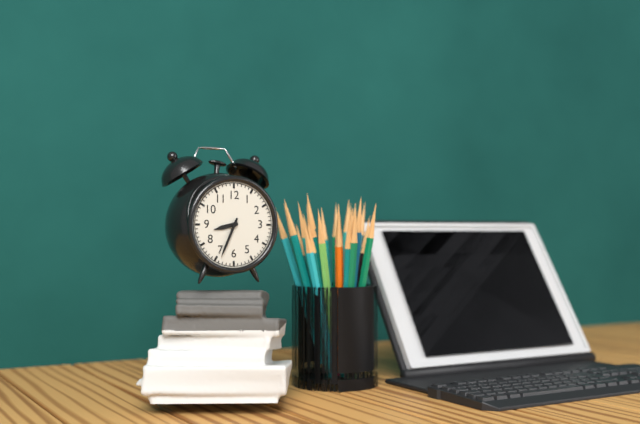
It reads h=8 m=34
